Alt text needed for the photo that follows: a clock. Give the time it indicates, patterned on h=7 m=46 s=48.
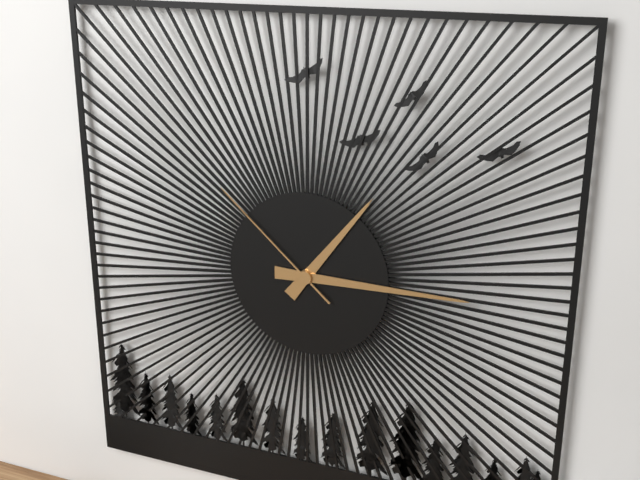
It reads h=1 m=15 s=52
